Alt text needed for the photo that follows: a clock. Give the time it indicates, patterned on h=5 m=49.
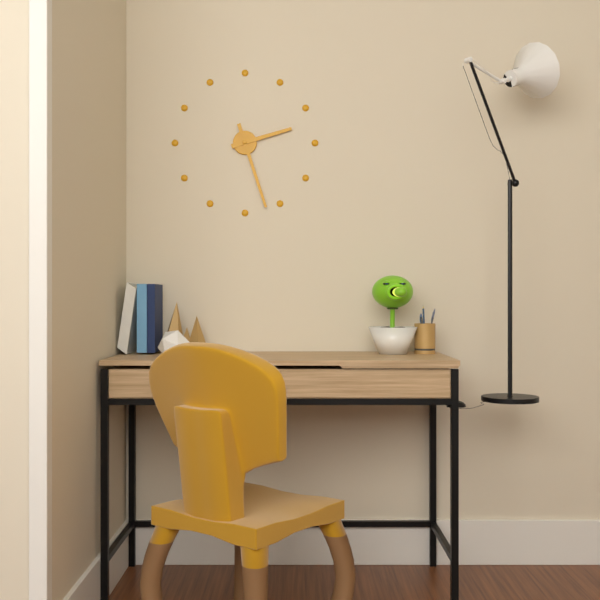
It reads h=2 m=27
